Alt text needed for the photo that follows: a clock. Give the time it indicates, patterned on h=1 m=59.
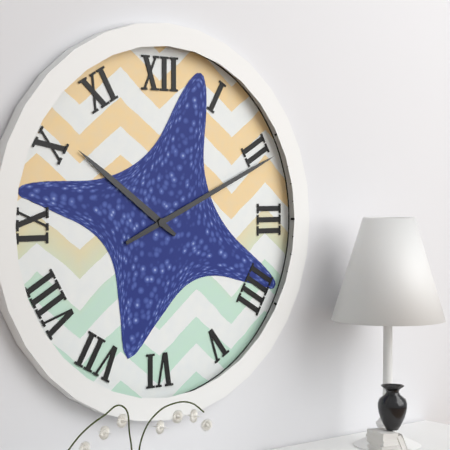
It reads h=10 m=11
